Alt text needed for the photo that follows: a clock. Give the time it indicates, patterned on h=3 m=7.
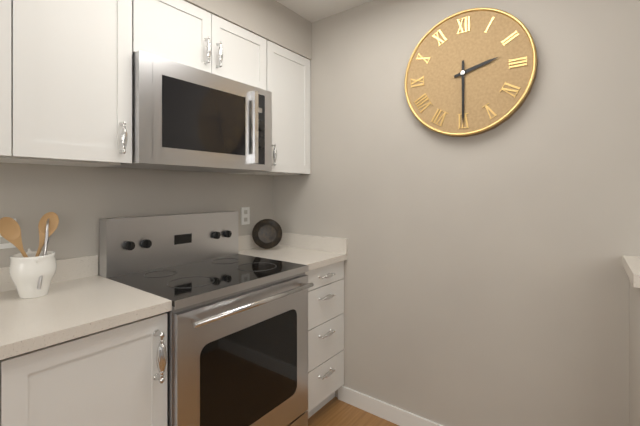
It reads h=2 m=30
